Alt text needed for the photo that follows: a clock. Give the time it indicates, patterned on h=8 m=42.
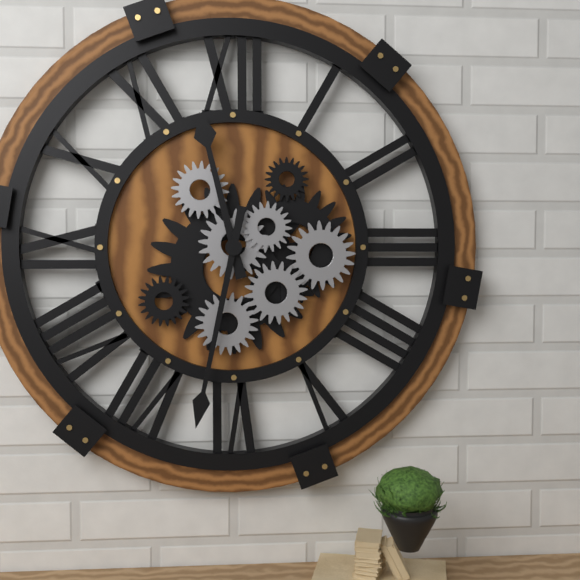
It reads h=11 m=32
